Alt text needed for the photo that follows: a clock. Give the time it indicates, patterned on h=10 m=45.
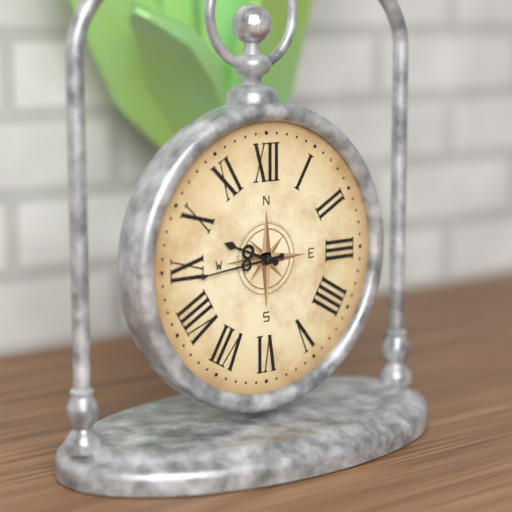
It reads h=9 m=44
